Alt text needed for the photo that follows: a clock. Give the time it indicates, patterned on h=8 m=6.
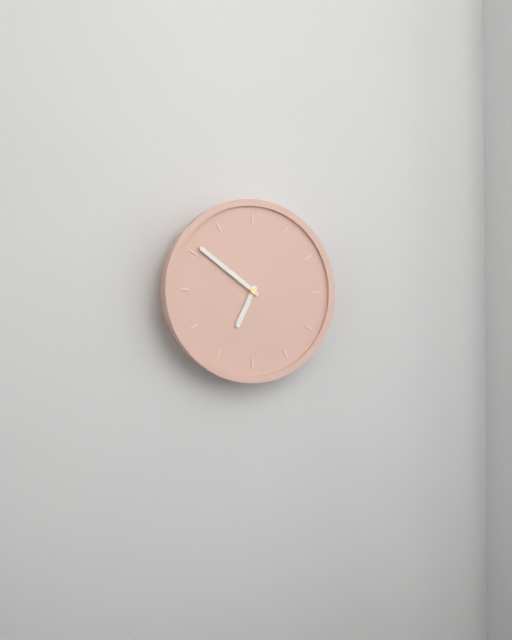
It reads h=6 m=51
